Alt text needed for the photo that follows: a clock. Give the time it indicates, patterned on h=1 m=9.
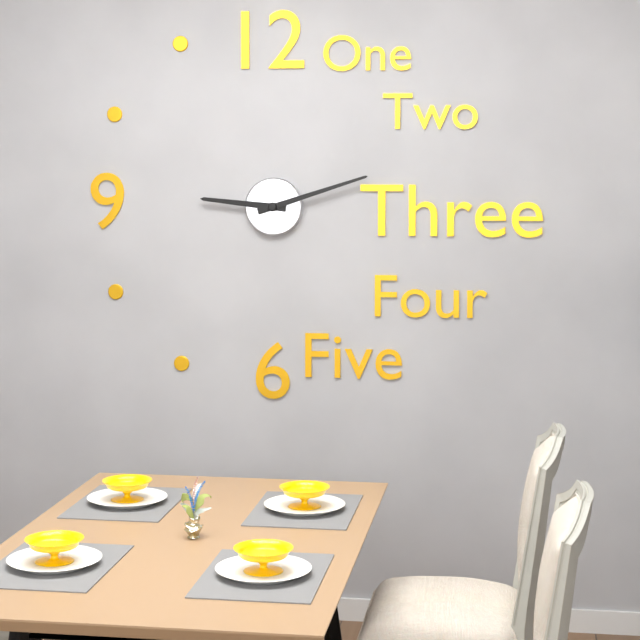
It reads h=9 m=12
